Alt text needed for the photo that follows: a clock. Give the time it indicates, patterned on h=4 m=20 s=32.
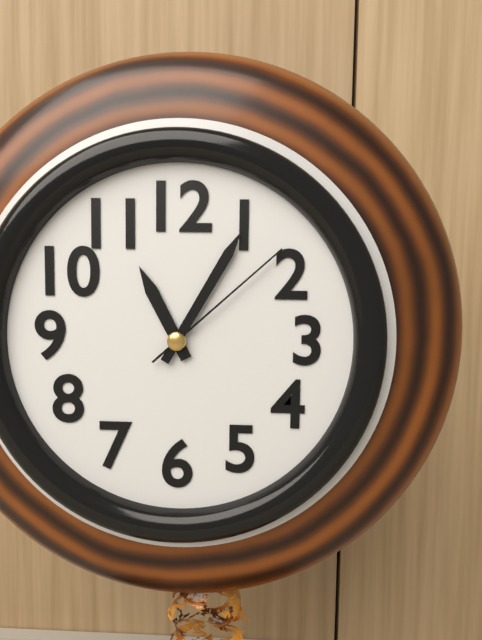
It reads h=11 m=5 s=8
